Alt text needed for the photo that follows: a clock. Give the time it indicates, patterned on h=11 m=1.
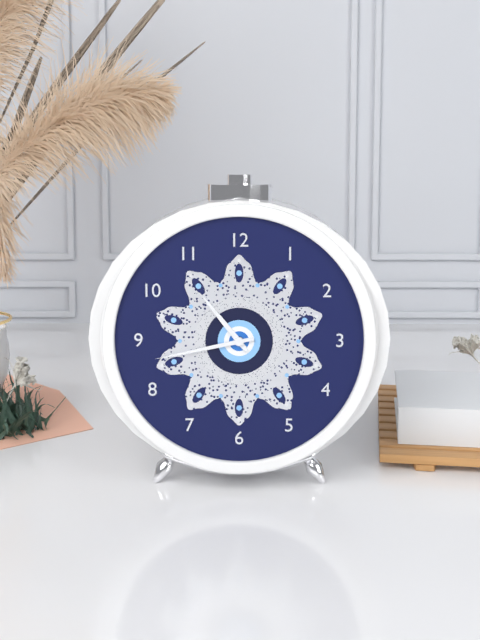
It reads h=10 m=43
